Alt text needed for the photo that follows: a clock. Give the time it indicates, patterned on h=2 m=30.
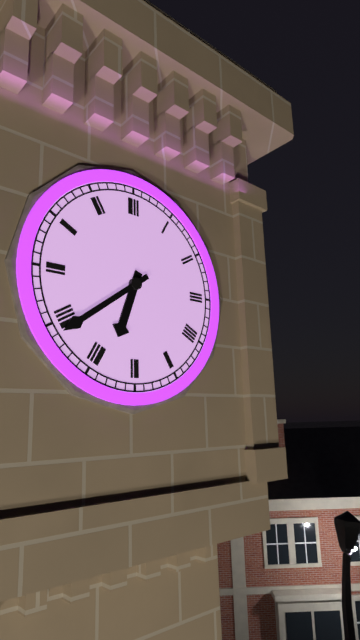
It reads h=6 m=39
